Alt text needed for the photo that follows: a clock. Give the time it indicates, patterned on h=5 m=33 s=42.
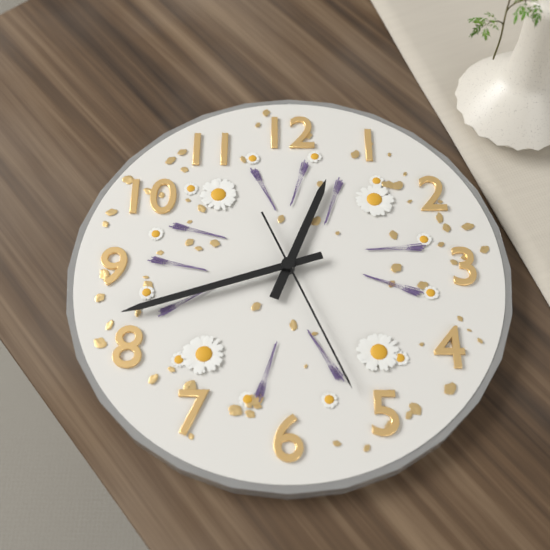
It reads h=12 m=42 s=26
